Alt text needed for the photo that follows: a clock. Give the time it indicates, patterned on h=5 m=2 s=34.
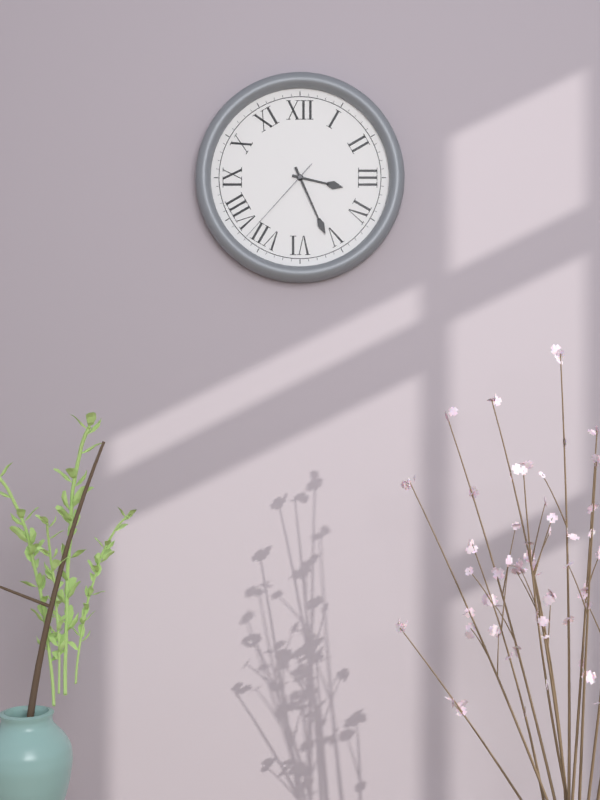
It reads h=3 m=26 s=37
